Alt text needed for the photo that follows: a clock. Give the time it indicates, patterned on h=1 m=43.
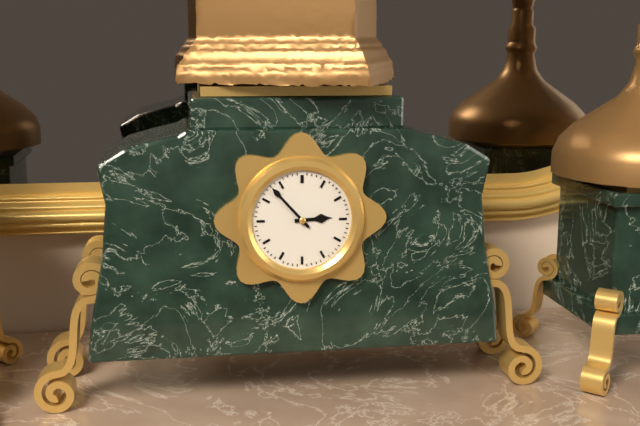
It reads h=2 m=53
